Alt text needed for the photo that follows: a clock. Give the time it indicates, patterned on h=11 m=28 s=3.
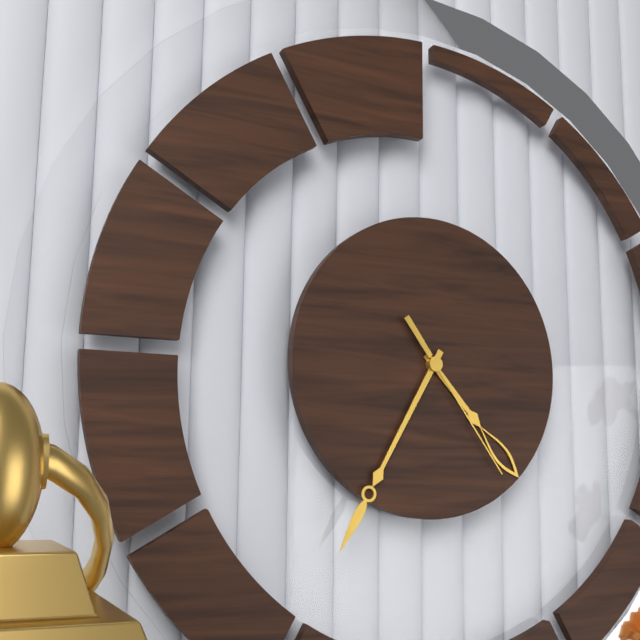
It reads h=4 m=35 s=24
